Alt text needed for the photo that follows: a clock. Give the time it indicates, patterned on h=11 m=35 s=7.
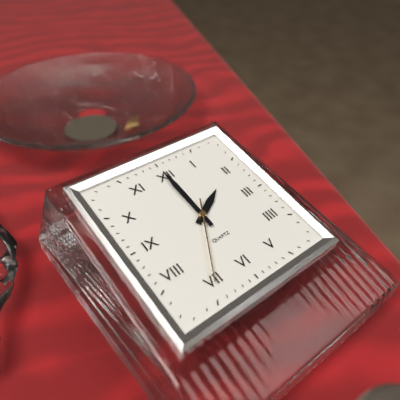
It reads h=2 m=0 s=35
